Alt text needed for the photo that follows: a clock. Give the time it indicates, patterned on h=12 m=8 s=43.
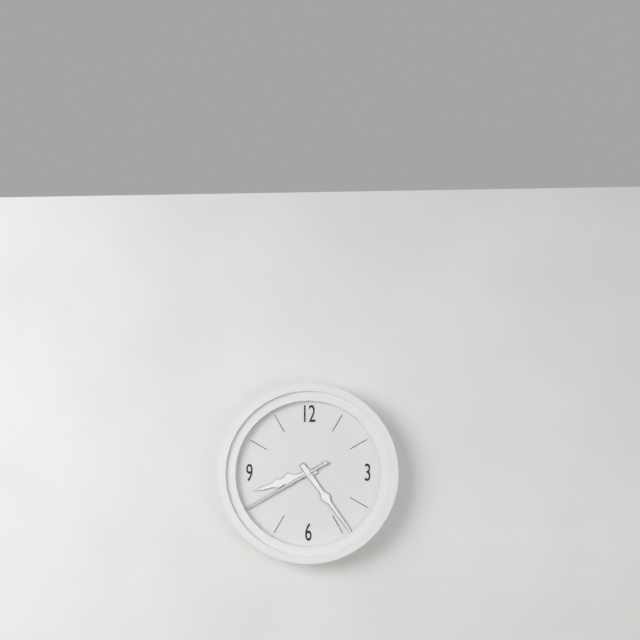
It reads h=8 m=24 s=40
